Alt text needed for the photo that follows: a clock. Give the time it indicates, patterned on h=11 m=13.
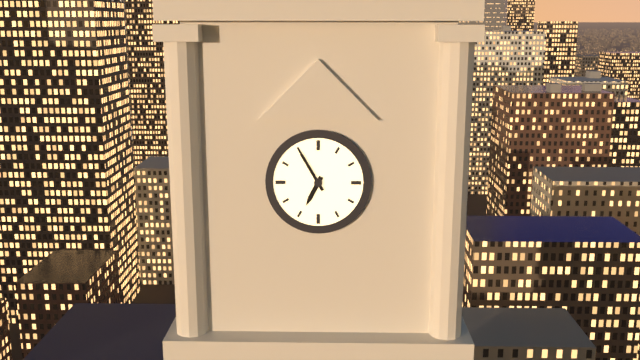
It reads h=6 m=55
